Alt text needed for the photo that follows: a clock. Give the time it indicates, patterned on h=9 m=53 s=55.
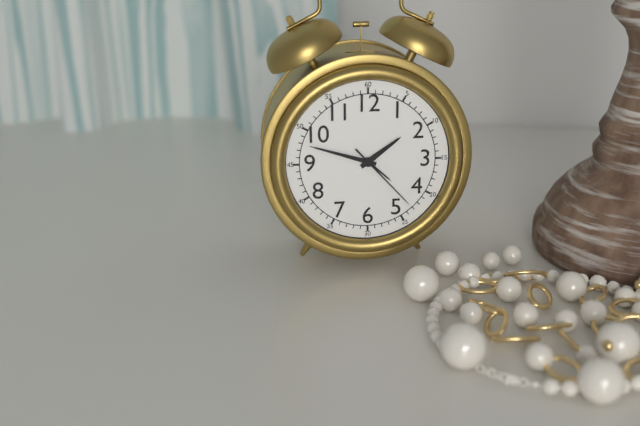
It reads h=1 m=48 s=23
